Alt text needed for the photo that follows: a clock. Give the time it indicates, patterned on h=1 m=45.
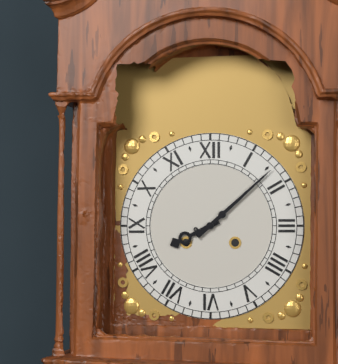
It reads h=8 m=8
